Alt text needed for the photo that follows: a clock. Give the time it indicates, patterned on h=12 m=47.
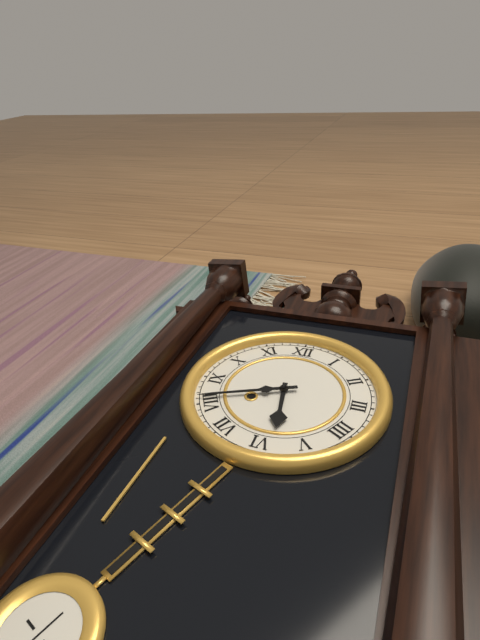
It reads h=5 m=41
